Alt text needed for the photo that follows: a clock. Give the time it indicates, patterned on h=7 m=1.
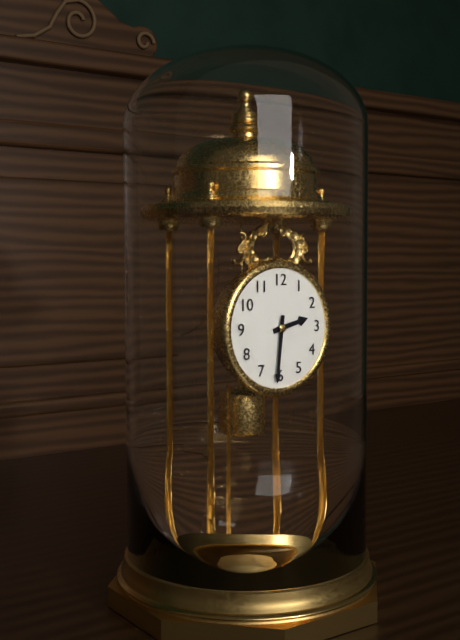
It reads h=2 m=31
